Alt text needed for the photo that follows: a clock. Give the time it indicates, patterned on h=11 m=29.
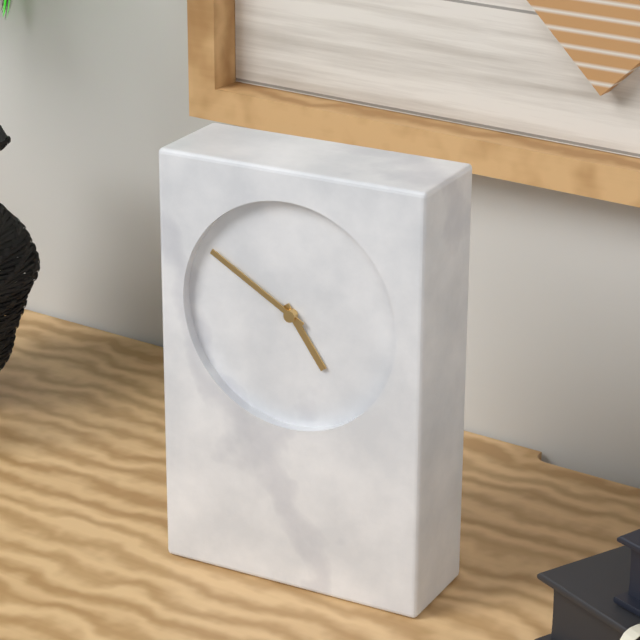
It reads h=4 m=50
